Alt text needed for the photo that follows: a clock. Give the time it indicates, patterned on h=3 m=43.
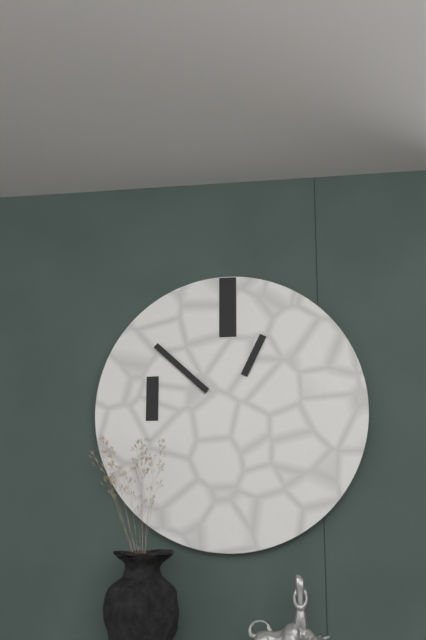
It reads h=12 m=52
